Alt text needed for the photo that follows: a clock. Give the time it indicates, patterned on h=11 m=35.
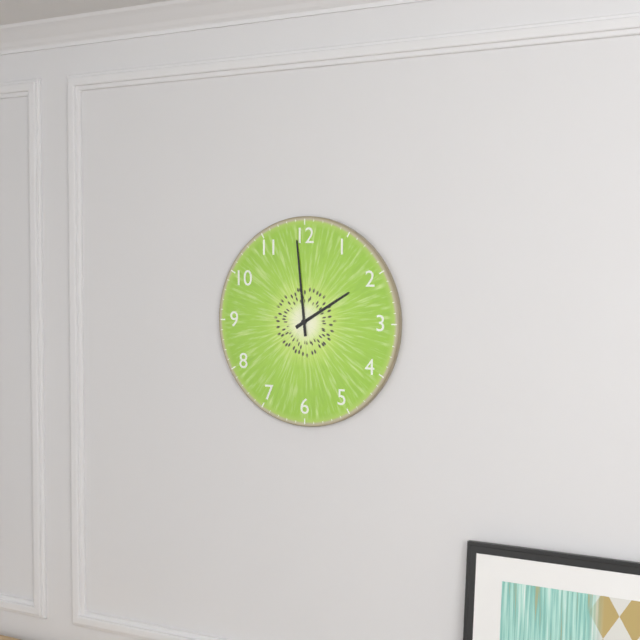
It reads h=1 m=59
